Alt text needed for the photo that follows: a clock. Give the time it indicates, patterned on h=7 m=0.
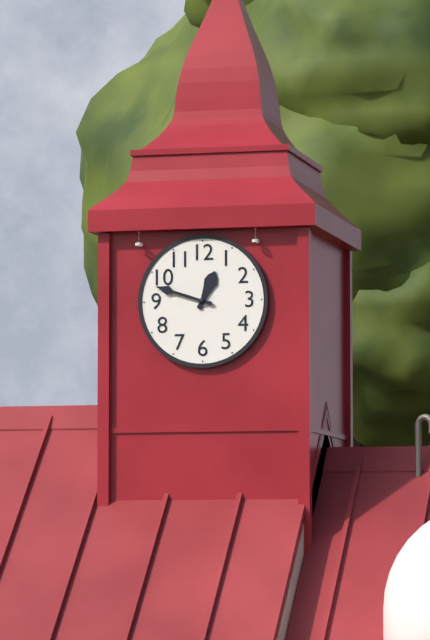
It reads h=12 m=48
